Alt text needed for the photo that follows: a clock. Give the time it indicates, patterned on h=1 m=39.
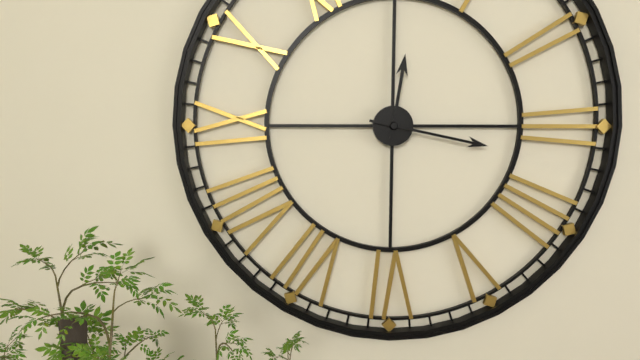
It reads h=12 m=17
